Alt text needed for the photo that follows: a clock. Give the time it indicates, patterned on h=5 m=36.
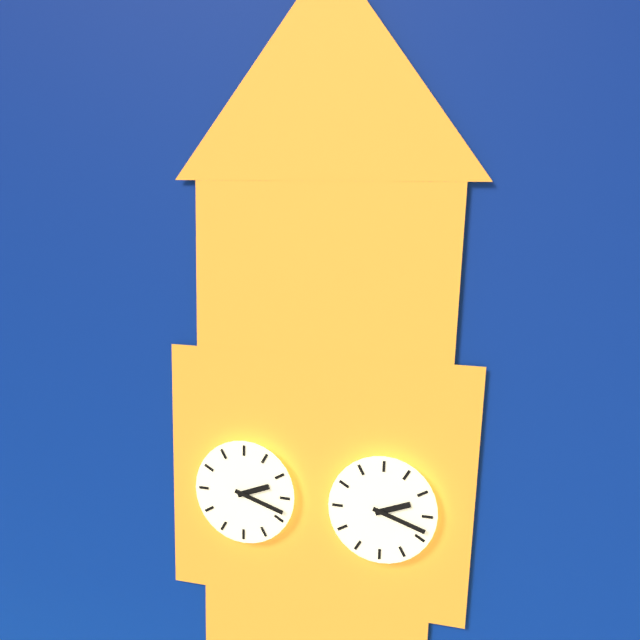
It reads h=2 m=18
